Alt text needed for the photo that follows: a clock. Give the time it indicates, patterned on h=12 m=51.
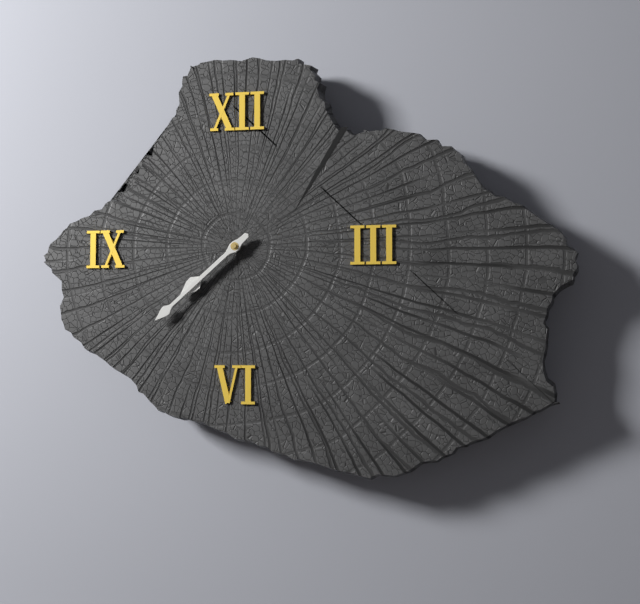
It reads h=7 m=38
